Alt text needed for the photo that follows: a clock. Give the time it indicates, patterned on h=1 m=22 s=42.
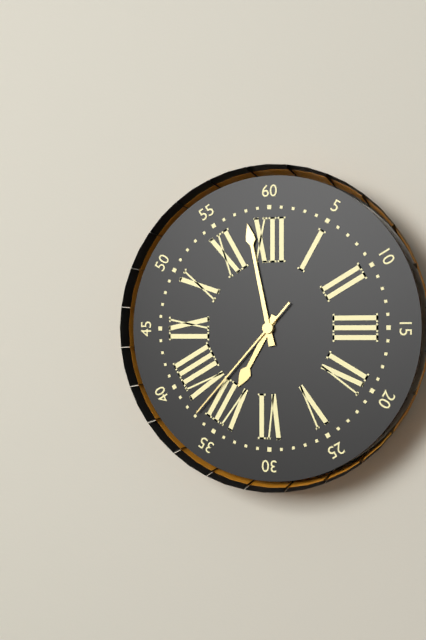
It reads h=6 m=58 s=37
